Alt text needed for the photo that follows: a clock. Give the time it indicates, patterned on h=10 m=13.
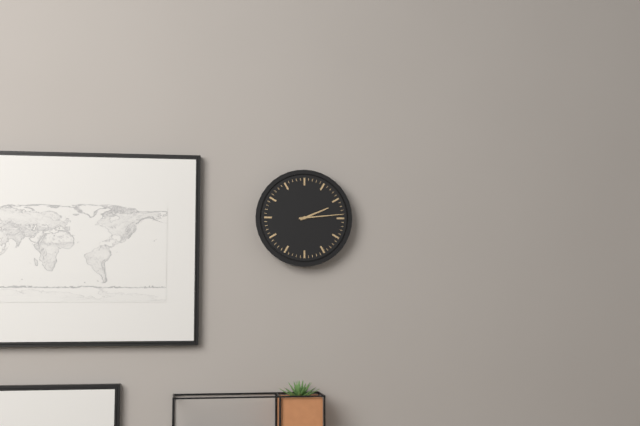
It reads h=2 m=14
